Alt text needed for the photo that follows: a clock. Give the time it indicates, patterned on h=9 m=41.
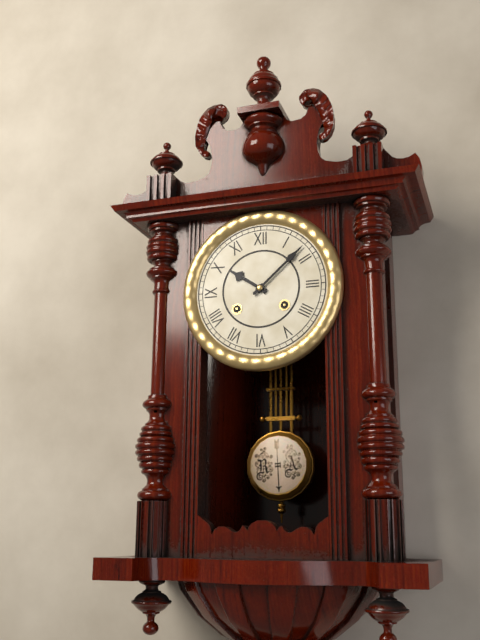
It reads h=10 m=8
